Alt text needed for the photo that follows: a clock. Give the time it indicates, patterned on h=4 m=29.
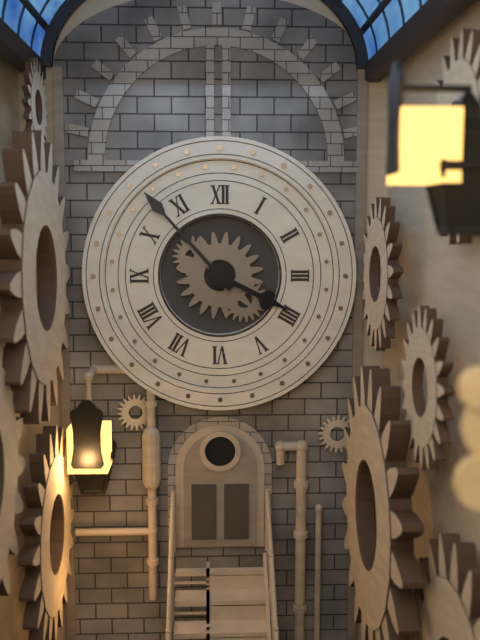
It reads h=3 m=53
